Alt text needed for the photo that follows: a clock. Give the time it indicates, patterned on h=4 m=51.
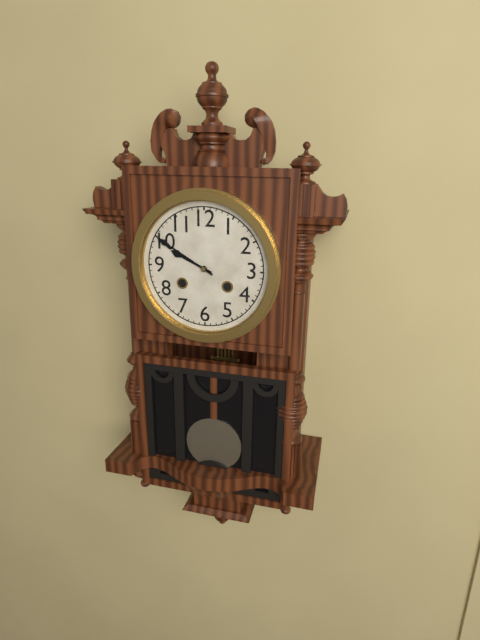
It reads h=9 m=50
